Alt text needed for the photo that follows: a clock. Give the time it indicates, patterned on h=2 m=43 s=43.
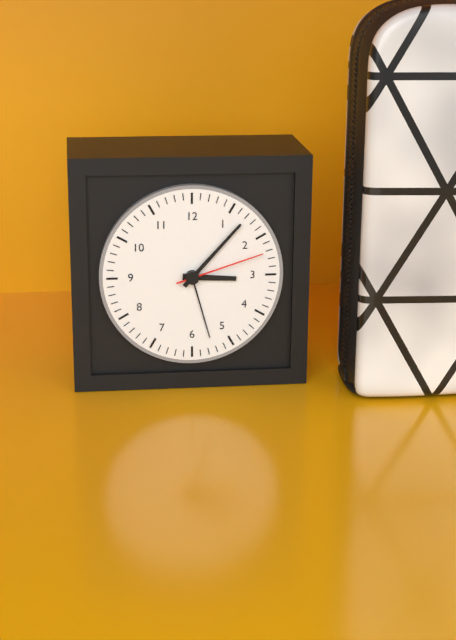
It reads h=3 m=7 s=12
